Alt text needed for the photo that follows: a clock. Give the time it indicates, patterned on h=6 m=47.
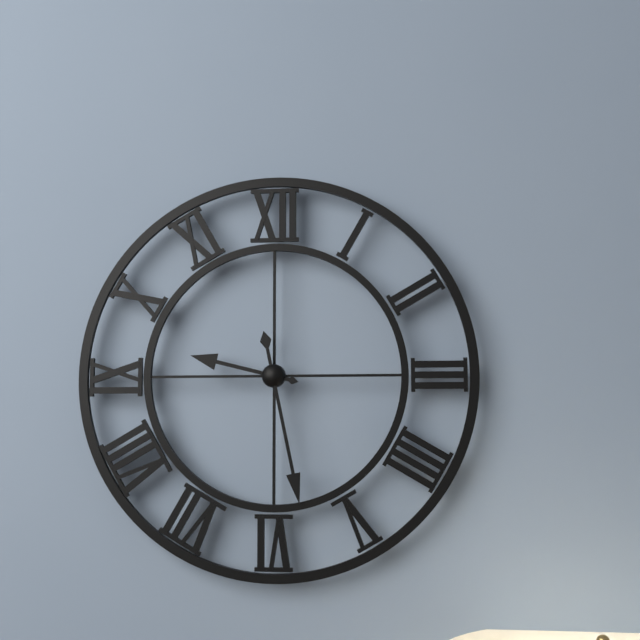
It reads h=9 m=28
